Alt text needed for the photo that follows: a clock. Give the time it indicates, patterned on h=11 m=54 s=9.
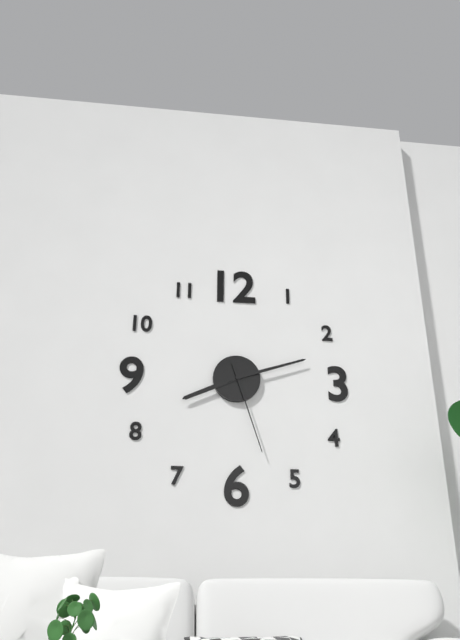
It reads h=8 m=12 s=27
